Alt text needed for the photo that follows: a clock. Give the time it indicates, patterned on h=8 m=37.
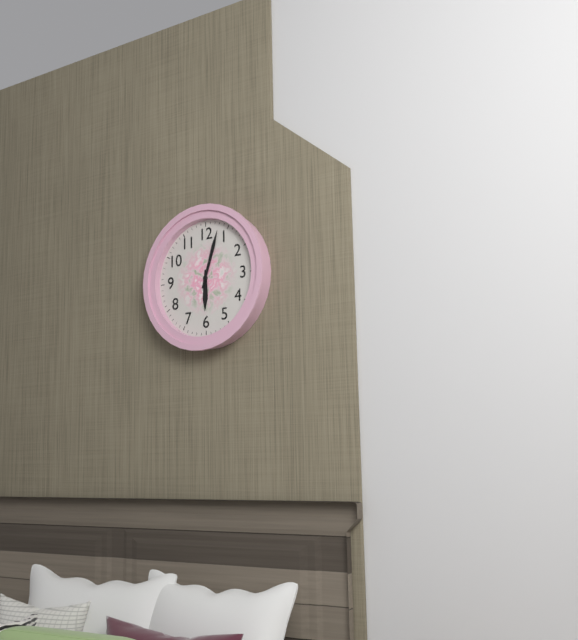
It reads h=6 m=3
